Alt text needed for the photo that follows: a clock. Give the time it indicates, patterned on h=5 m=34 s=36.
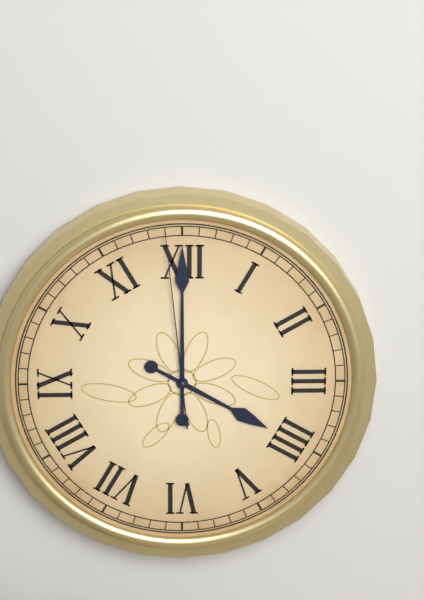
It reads h=4 m=0 s=59
